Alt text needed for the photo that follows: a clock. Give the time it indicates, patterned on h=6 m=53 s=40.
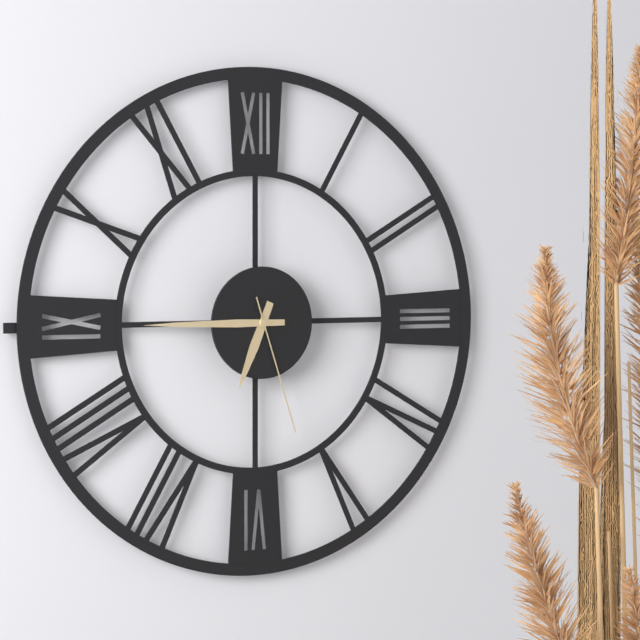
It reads h=6 m=45 s=27
